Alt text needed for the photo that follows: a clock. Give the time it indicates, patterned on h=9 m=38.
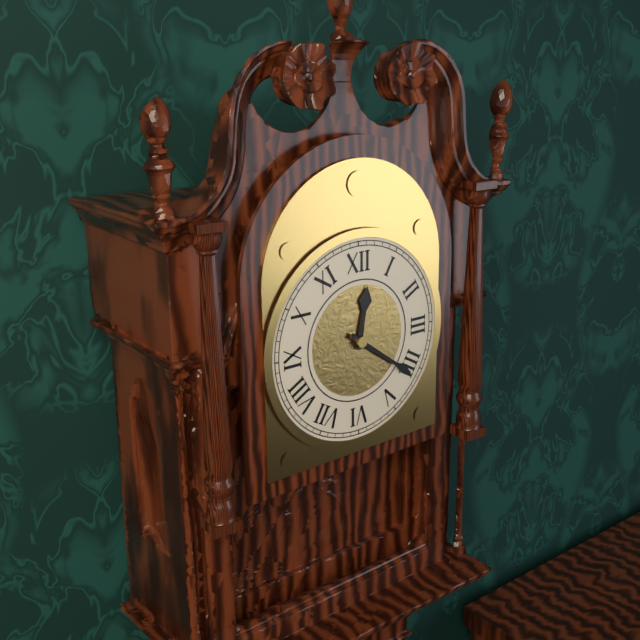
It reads h=12 m=21
